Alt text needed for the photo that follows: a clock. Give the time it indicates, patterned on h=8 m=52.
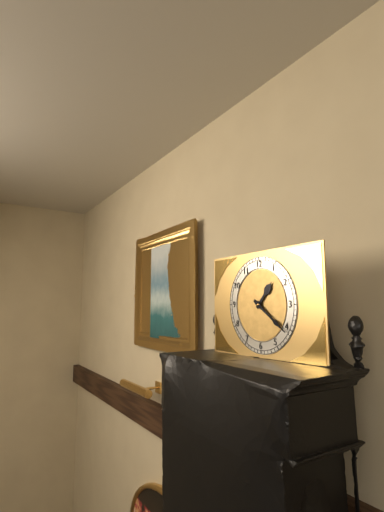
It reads h=1 m=21
